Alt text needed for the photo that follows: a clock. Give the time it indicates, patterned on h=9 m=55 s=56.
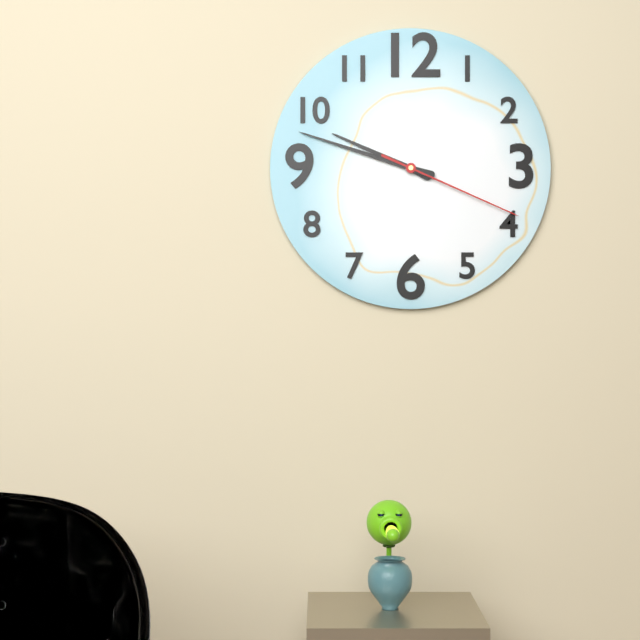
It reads h=9 m=48 s=19
